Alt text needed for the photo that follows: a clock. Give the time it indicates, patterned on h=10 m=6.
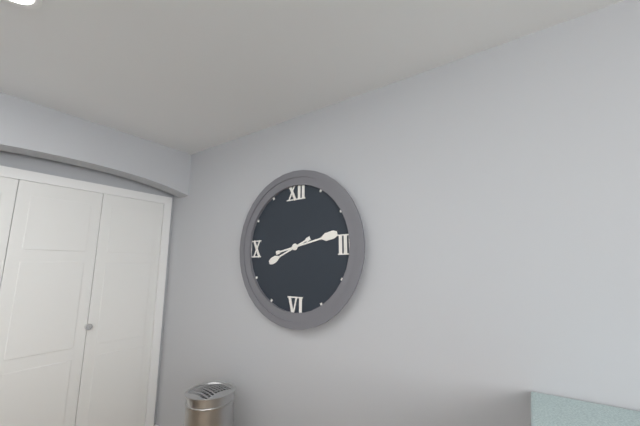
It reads h=8 m=13
